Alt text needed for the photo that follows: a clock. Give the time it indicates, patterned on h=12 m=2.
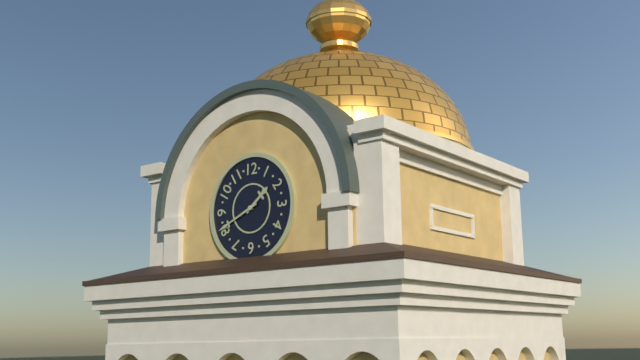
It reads h=1 m=41
